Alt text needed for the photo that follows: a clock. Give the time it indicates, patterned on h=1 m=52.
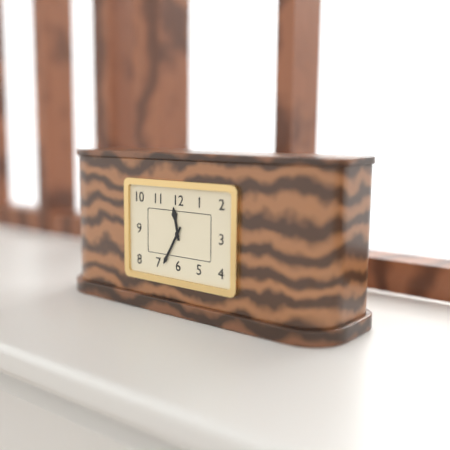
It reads h=11 m=35
